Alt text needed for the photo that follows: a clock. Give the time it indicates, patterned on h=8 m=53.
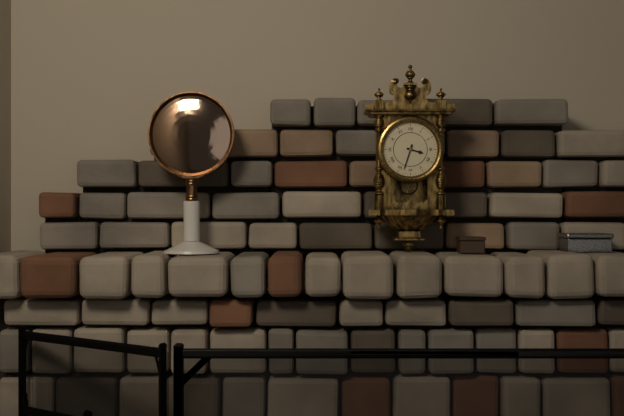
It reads h=3 m=33
